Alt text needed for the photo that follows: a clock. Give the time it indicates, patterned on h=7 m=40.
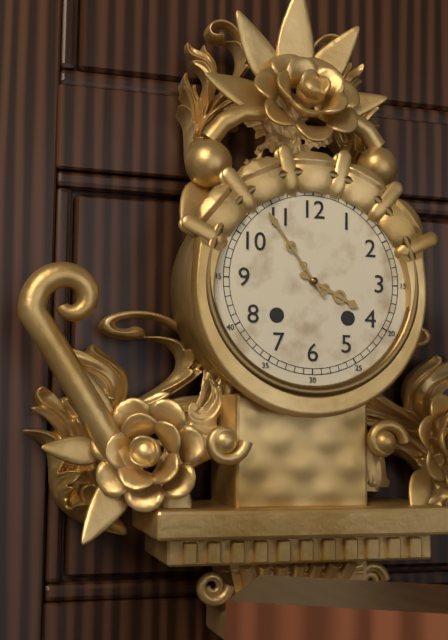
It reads h=3 m=54
